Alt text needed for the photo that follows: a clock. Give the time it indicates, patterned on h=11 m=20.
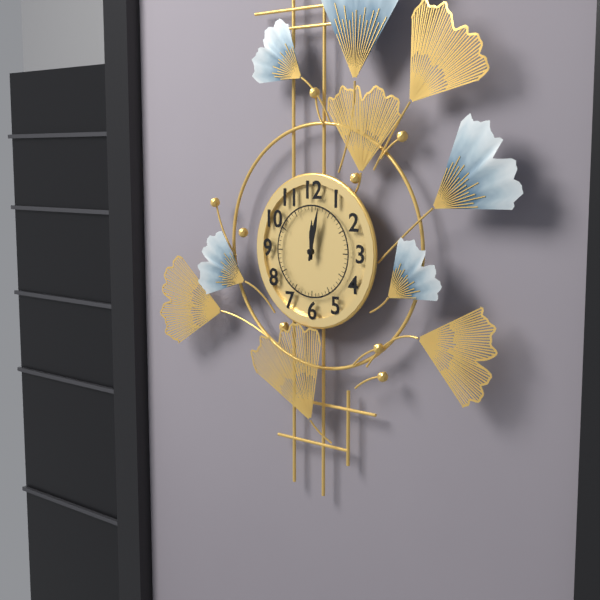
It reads h=12 m=2
